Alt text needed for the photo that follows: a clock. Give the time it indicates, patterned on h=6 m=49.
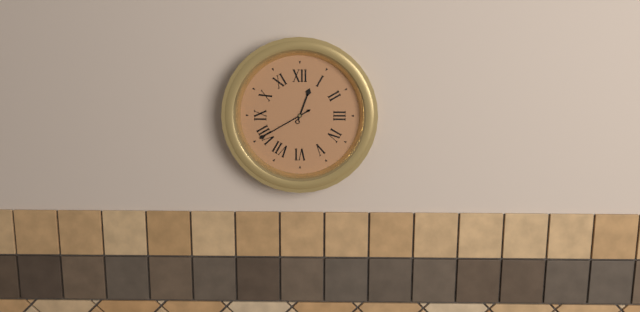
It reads h=12 m=40
